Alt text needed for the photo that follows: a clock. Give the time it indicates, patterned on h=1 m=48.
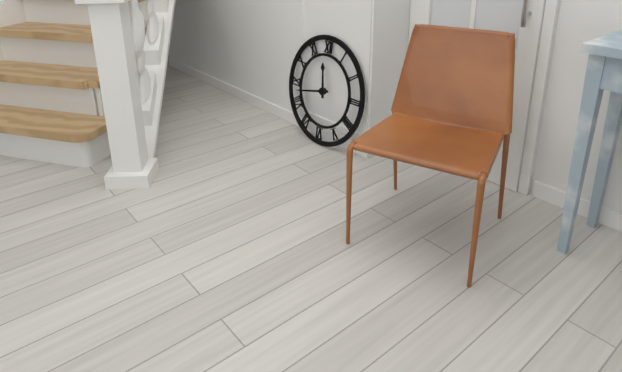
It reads h=11 m=43
